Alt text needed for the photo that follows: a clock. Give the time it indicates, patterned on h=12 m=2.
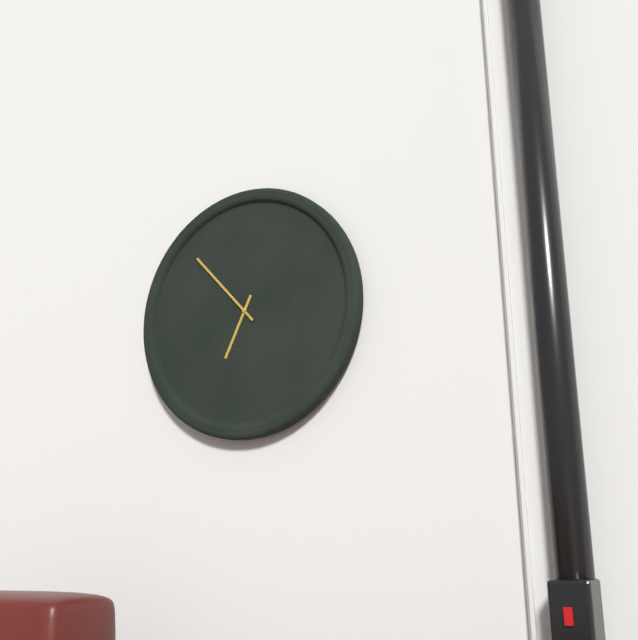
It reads h=6 m=53
